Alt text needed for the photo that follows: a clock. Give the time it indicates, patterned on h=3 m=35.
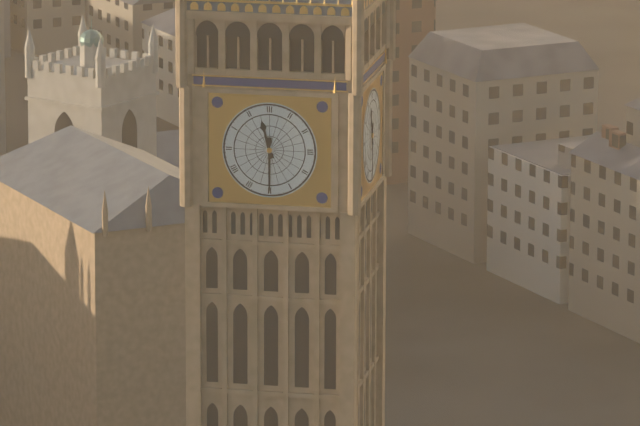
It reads h=11 m=30
